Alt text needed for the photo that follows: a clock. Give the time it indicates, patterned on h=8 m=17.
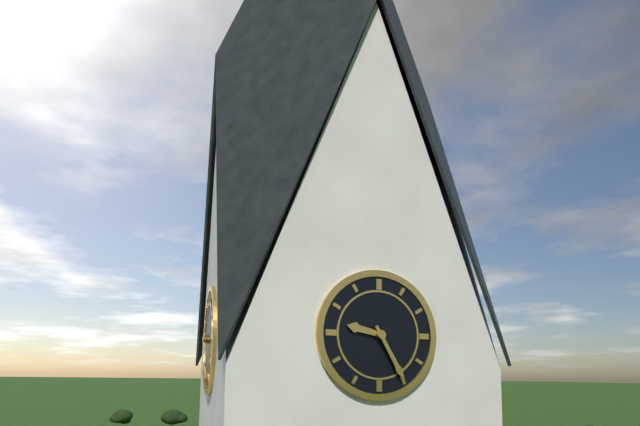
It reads h=9 m=25
